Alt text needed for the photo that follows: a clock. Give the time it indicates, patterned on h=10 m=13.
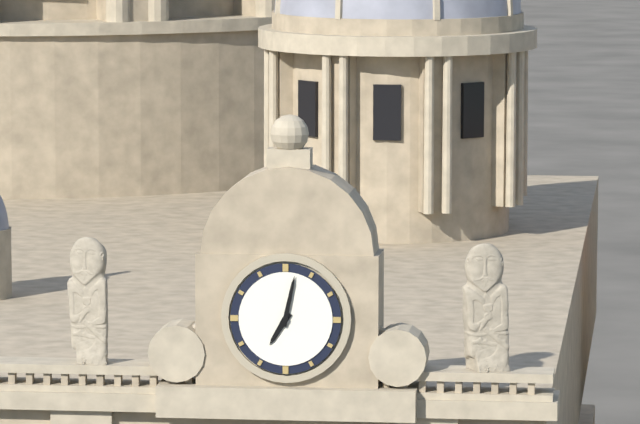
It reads h=7 m=2
